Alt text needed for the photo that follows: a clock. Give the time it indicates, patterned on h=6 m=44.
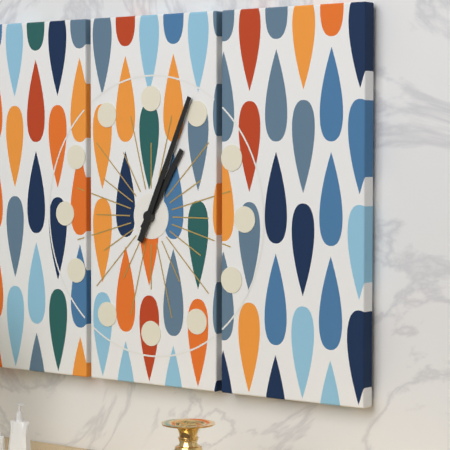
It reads h=1 m=4
